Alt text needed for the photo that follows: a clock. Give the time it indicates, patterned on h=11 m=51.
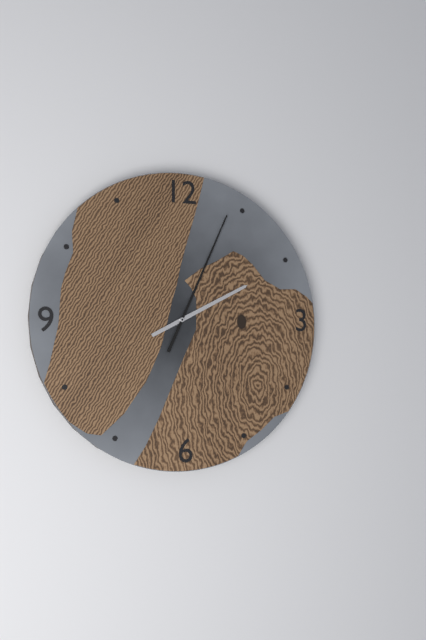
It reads h=2 m=4
